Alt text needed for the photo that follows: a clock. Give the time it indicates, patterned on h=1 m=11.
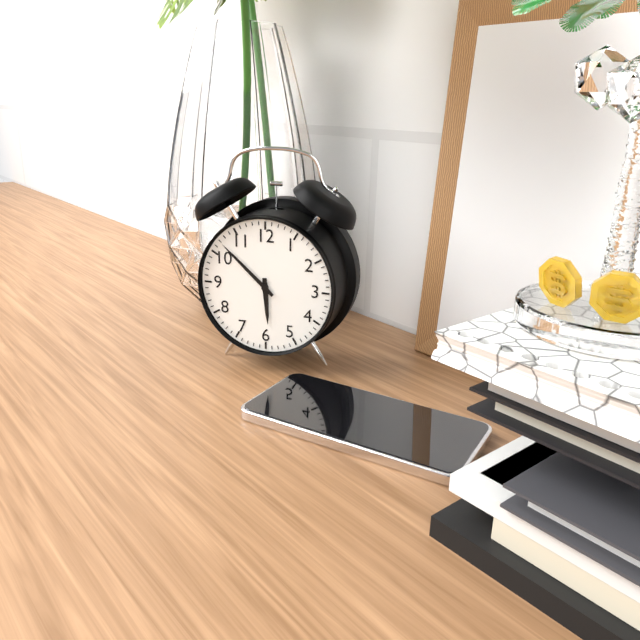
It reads h=5 m=52
